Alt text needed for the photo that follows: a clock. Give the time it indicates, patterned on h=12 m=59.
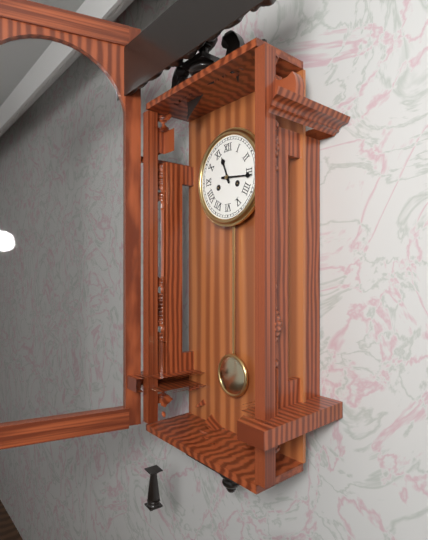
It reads h=11 m=16
